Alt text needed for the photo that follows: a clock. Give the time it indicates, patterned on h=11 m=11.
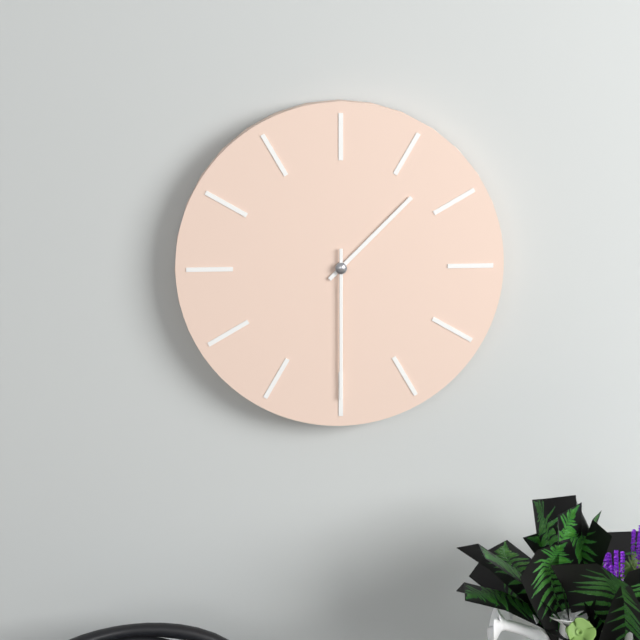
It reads h=1 m=30
